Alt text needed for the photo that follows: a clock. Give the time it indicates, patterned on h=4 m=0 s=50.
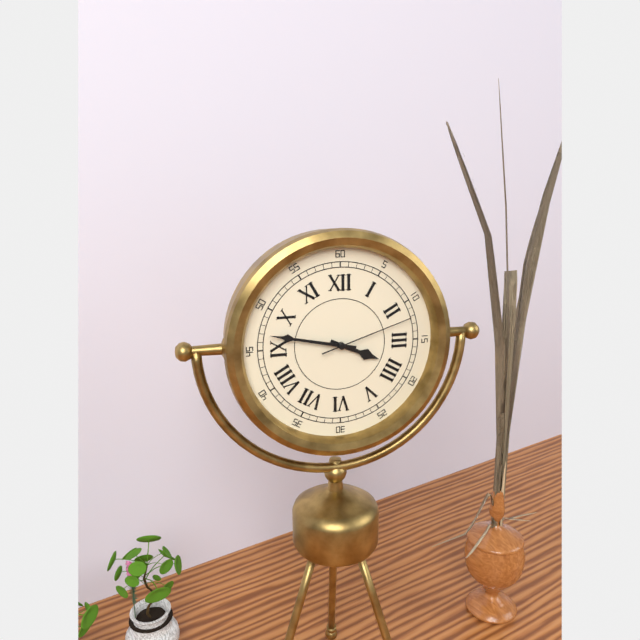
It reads h=3 m=47 s=12
